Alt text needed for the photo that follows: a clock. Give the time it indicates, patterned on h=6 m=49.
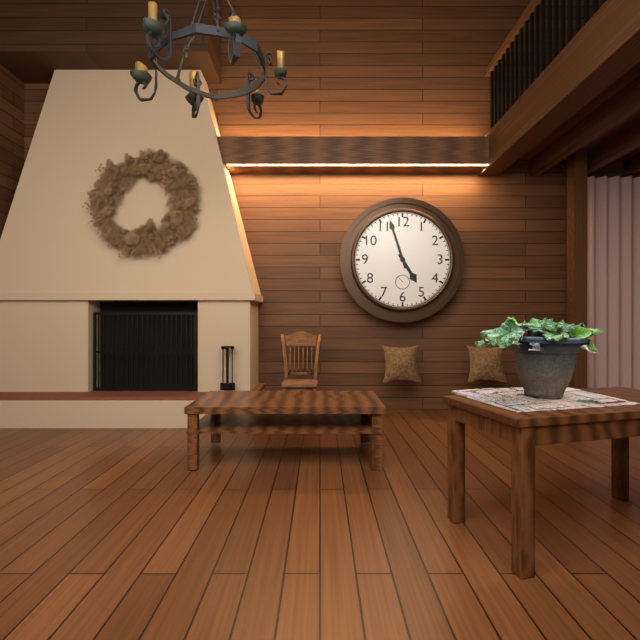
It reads h=4 m=57
